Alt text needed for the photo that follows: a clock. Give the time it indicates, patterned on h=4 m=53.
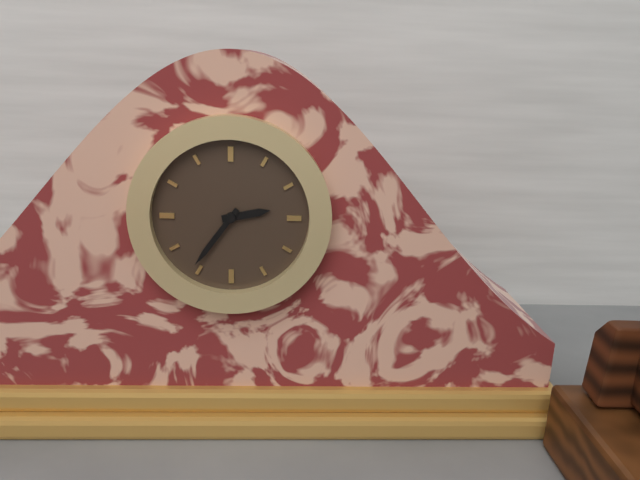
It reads h=2 m=36
